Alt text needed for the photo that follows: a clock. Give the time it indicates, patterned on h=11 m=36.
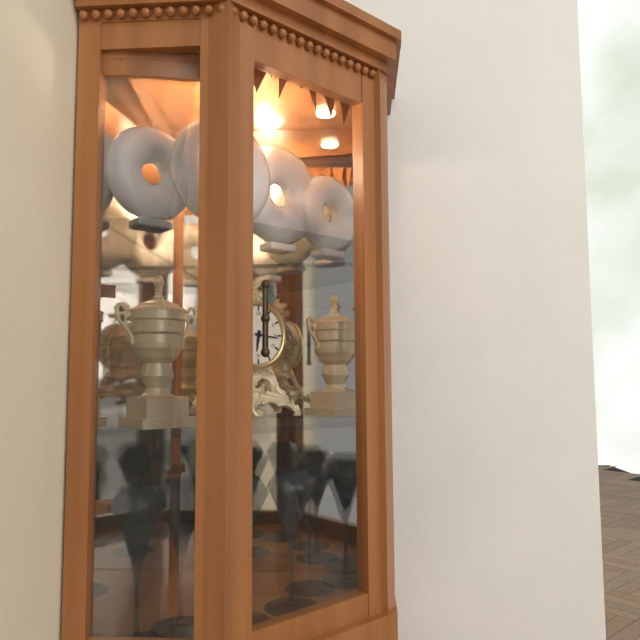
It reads h=6 m=16
